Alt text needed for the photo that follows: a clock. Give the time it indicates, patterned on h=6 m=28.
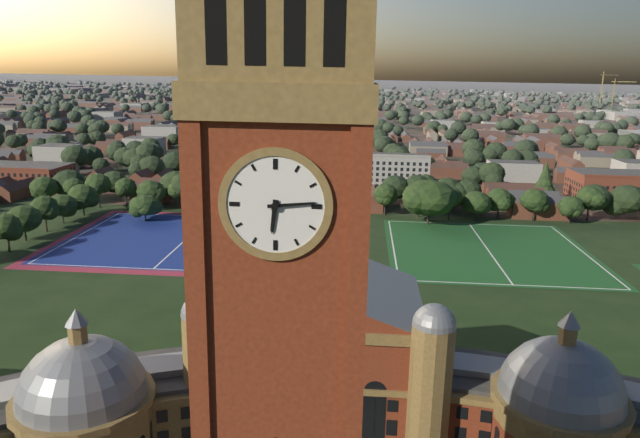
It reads h=6 m=14
